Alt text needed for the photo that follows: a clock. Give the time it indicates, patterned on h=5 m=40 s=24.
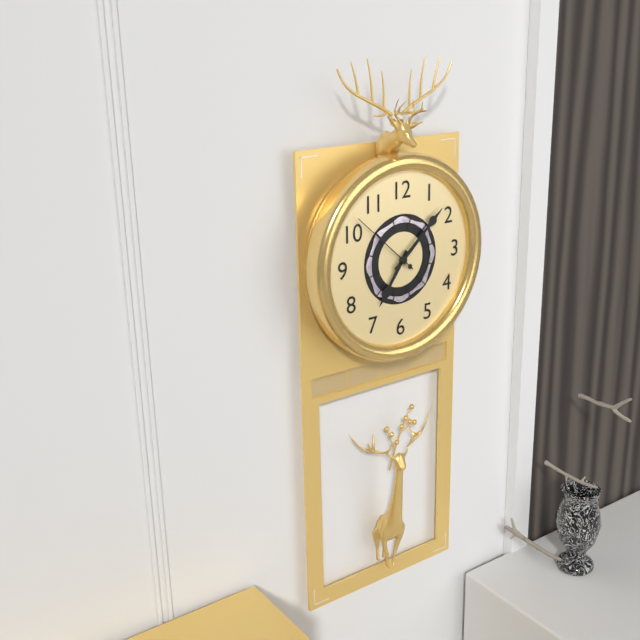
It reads h=7 m=8 s=52
